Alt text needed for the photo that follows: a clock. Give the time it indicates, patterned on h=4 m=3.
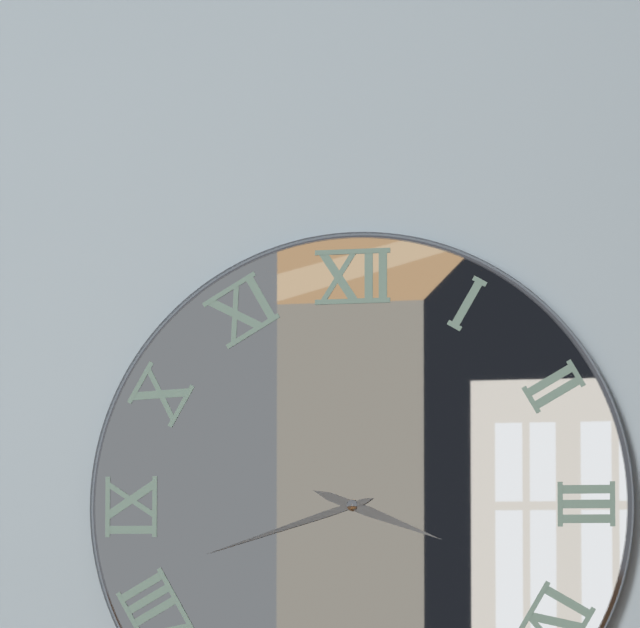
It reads h=3 m=42
